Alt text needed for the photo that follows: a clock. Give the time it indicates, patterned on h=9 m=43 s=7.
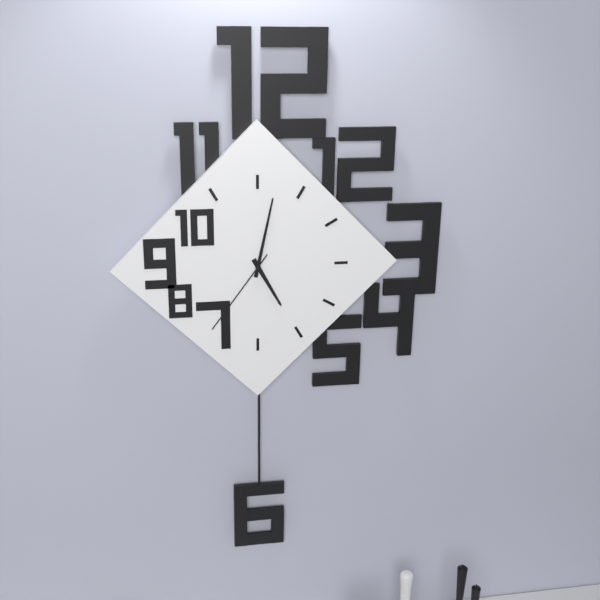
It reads h=5 m=2 s=36
